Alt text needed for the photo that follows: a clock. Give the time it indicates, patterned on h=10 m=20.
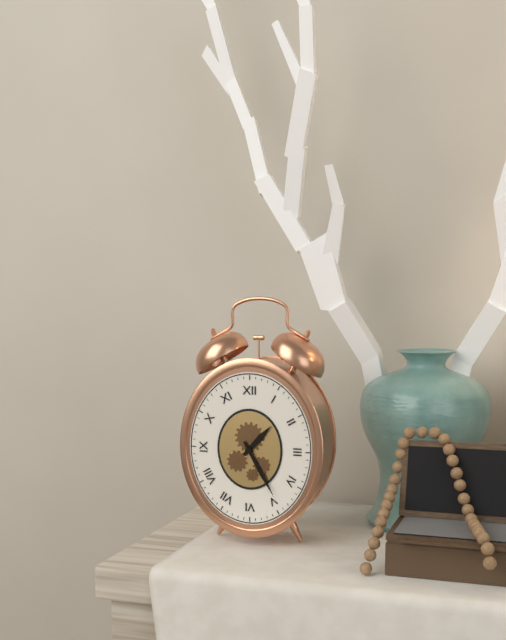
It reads h=1 m=25
